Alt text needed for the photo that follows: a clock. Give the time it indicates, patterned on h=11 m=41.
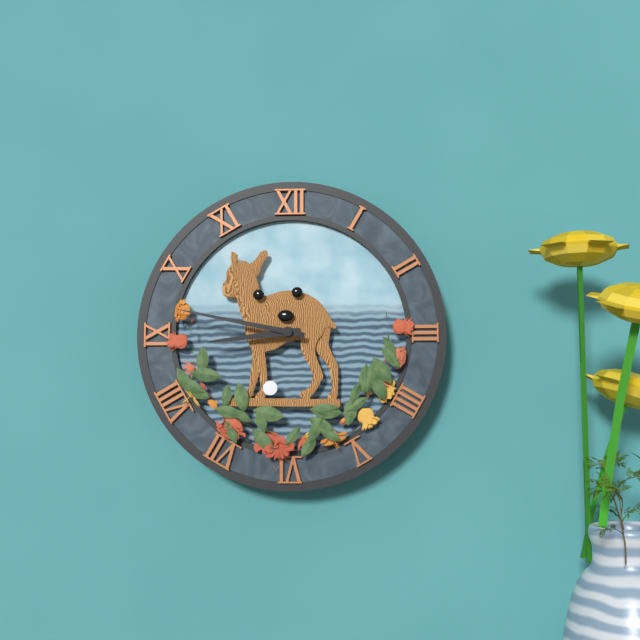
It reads h=8 m=47
